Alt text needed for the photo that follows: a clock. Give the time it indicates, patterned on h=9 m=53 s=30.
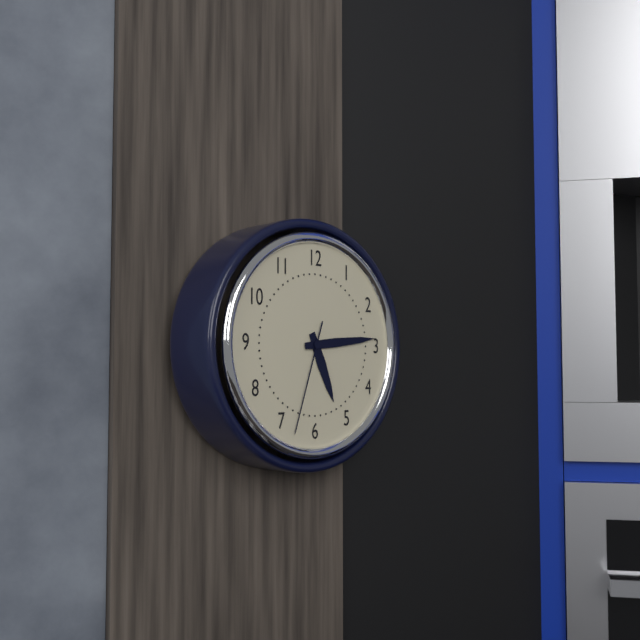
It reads h=5 m=14 s=33
